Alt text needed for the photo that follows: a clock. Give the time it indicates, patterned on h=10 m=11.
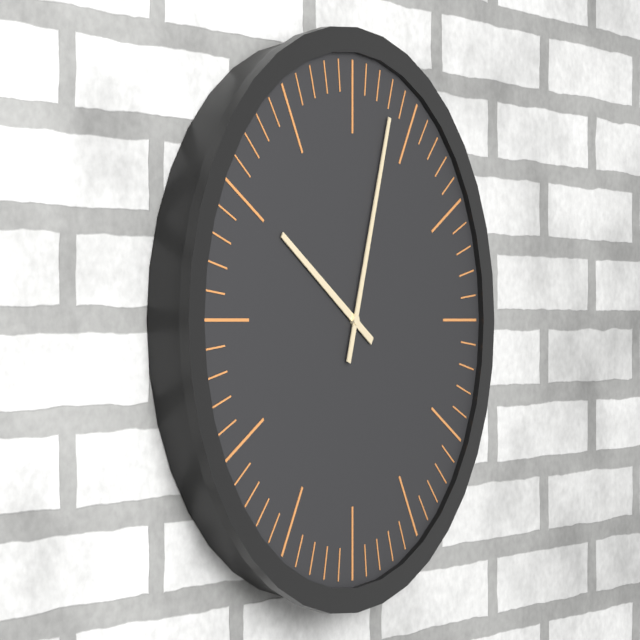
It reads h=10 m=3
